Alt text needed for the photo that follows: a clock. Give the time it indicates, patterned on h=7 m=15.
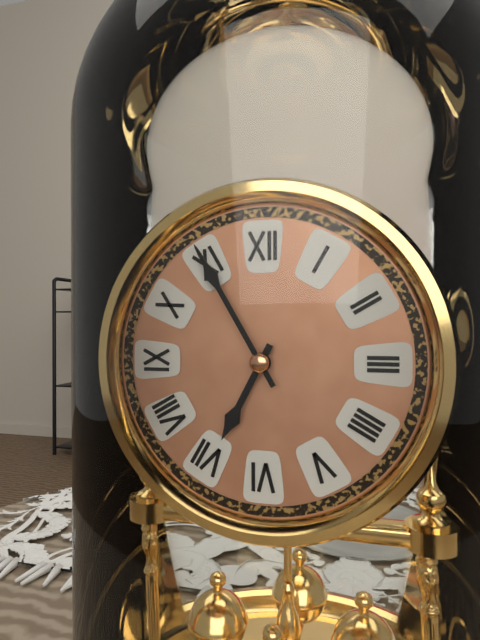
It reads h=6 m=55
